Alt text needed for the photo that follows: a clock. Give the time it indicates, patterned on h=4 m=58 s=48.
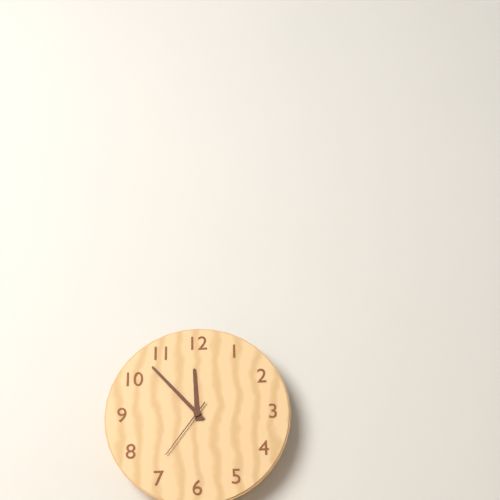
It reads h=11 m=53 s=36
